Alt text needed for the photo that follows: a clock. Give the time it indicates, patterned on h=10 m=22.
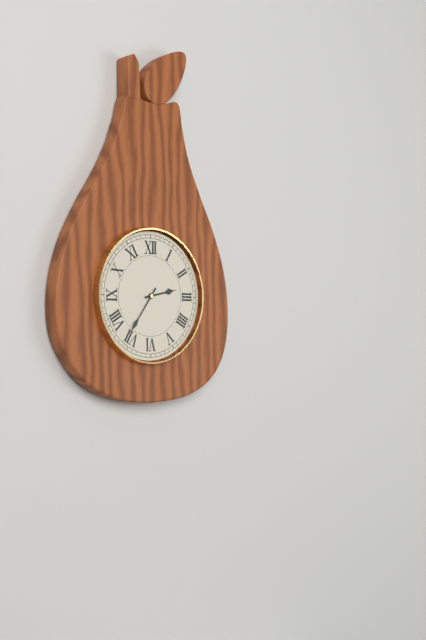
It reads h=2 m=36
